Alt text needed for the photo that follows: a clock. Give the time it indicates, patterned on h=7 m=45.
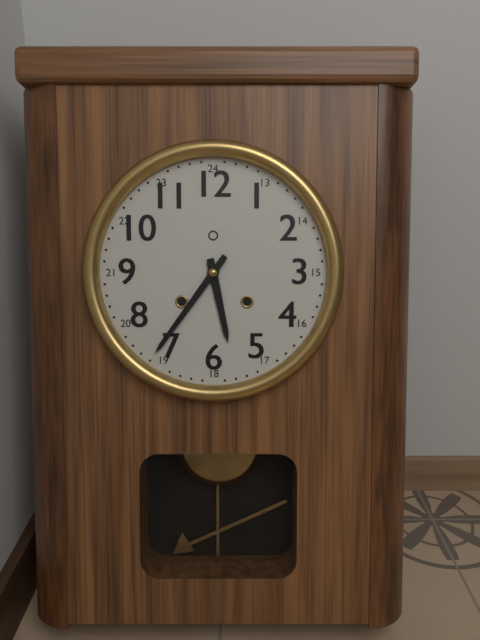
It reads h=5 m=36
